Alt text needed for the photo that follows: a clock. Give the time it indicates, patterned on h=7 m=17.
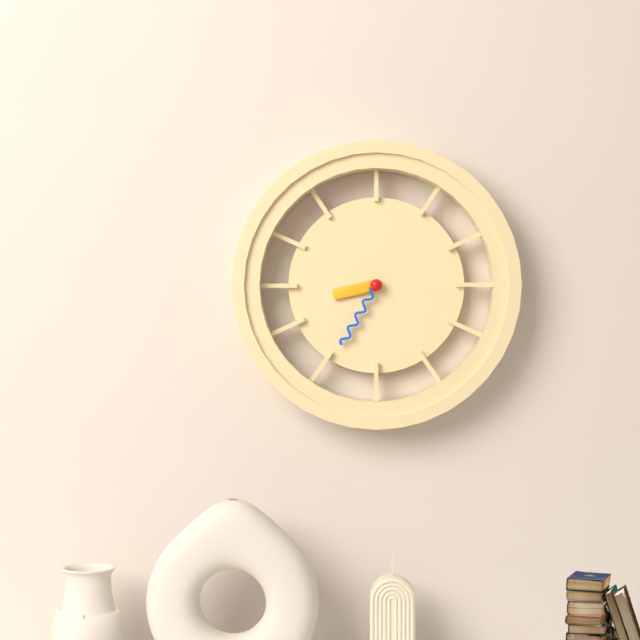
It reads h=8 m=35
